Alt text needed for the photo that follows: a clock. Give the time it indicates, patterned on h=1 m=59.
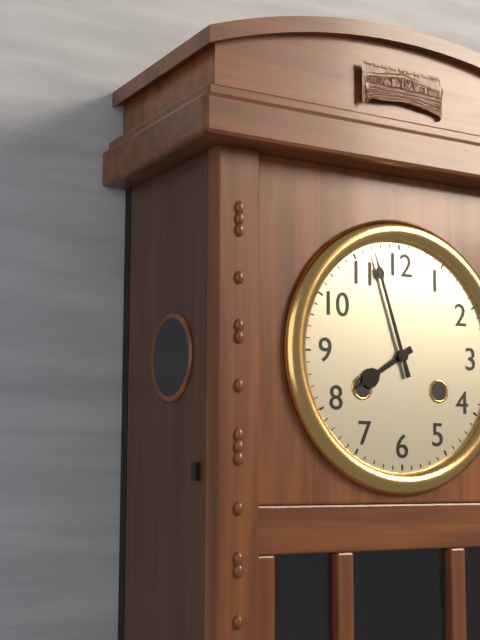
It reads h=7 m=57
